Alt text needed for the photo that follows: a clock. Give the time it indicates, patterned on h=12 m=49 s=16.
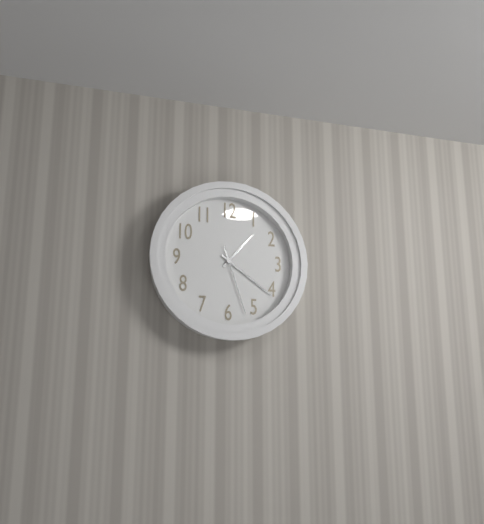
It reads h=1 m=21 s=27
